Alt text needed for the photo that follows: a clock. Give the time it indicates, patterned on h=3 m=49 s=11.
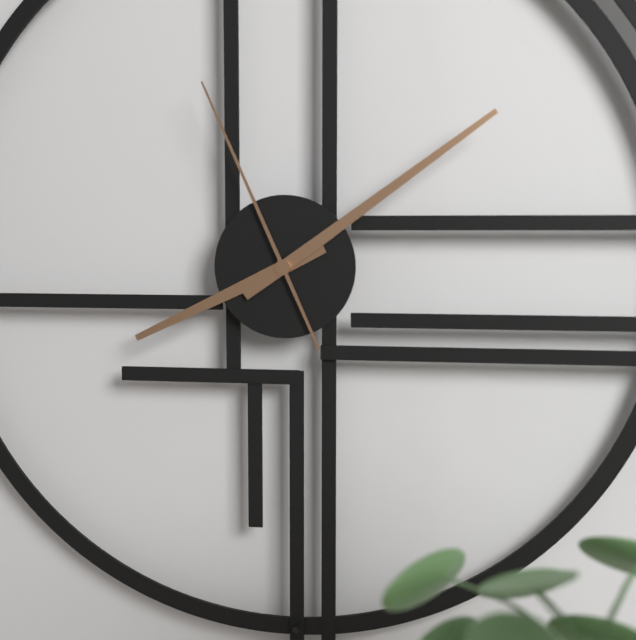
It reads h=8 m=9 s=56
